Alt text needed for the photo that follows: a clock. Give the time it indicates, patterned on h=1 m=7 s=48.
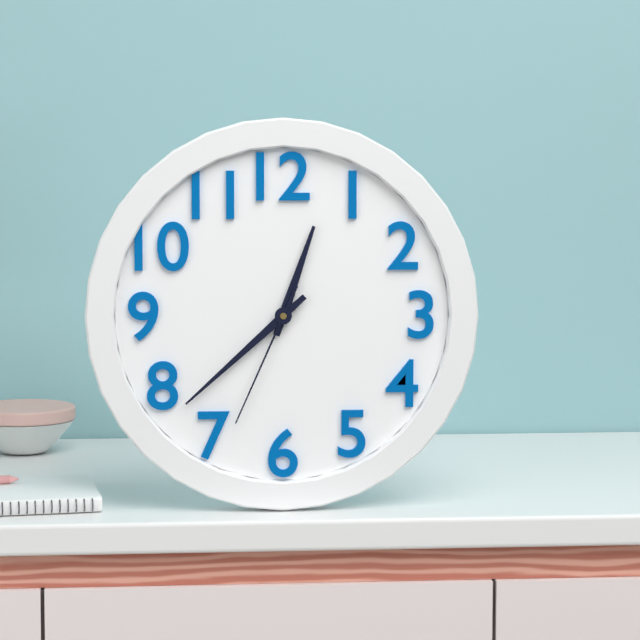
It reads h=12 m=38 s=34
